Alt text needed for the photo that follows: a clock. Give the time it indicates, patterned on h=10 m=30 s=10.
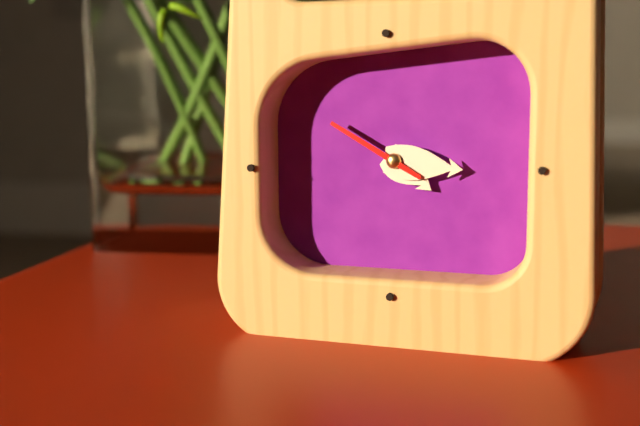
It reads h=4 m=16 s=50
